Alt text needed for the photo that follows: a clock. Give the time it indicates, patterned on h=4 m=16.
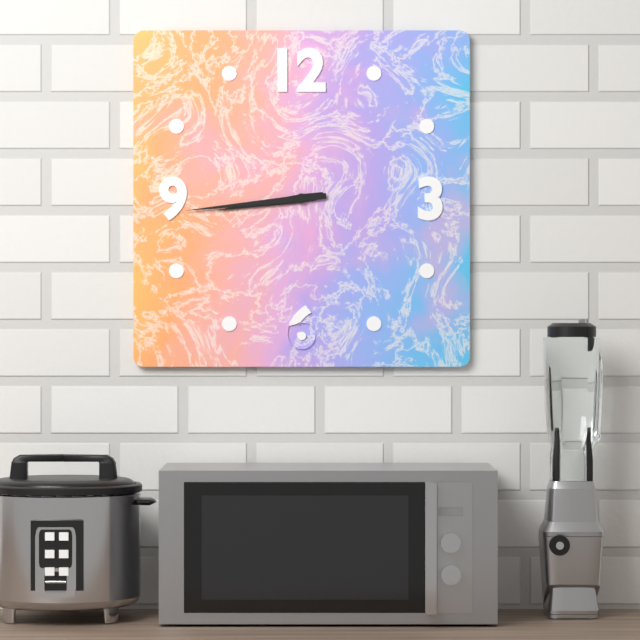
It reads h=8 m=44
